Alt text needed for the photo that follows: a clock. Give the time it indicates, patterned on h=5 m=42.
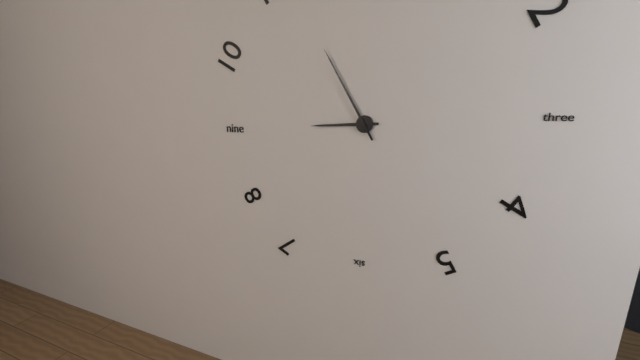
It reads h=8 m=55
